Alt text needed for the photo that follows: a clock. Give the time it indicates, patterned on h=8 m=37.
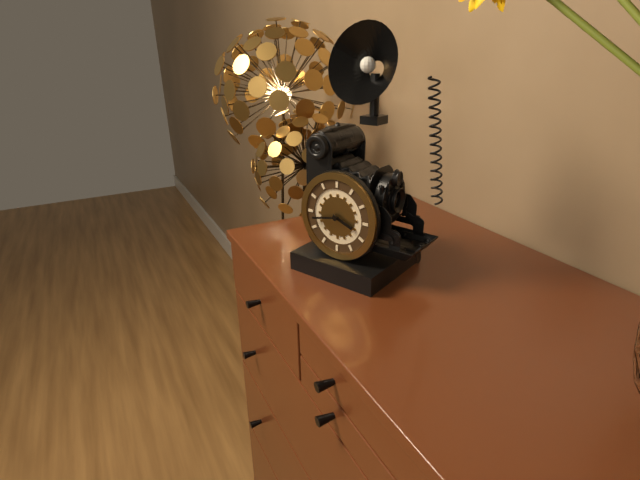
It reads h=3 m=43
